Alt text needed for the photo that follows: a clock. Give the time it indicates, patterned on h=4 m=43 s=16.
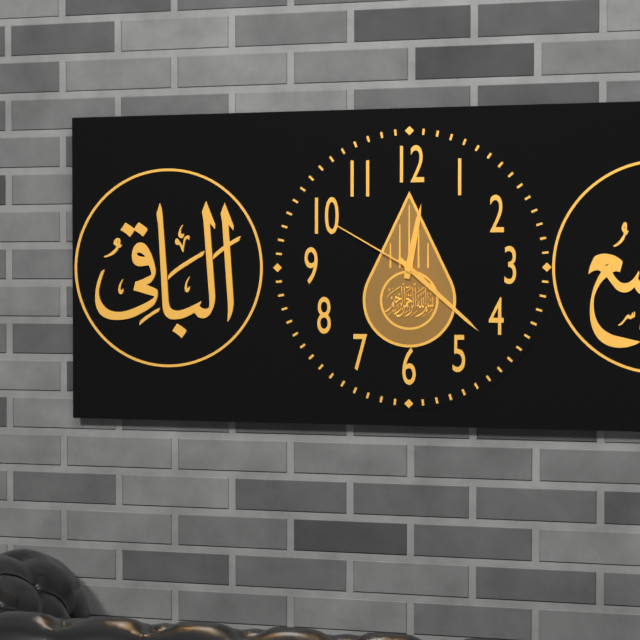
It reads h=12 m=22 s=50
